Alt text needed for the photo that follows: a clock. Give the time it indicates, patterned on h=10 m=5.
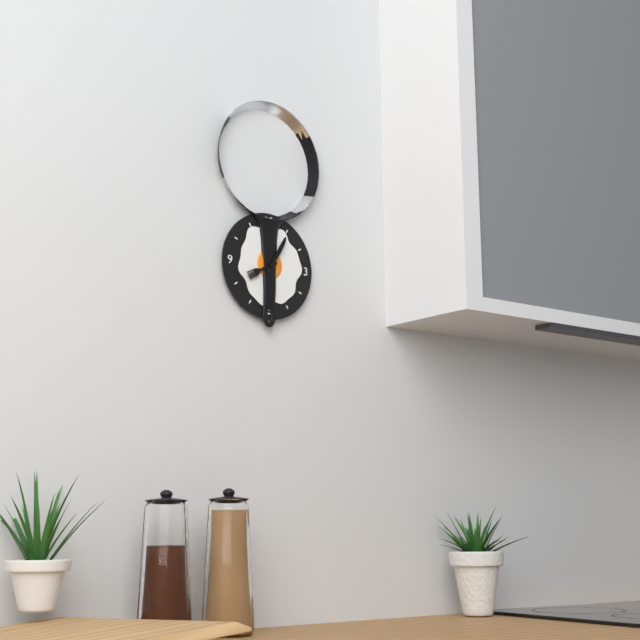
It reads h=8 m=5
